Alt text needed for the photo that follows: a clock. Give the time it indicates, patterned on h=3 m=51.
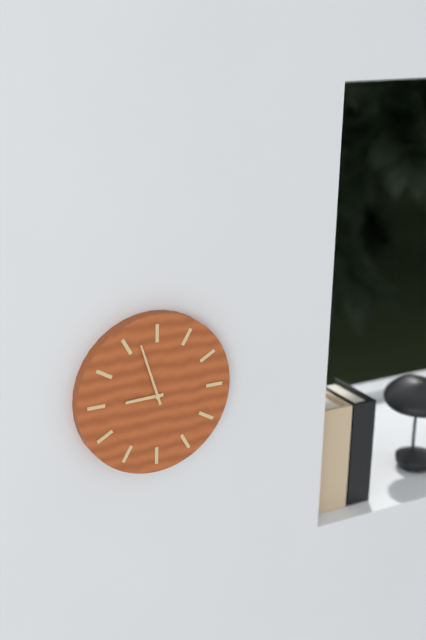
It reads h=8 m=57
